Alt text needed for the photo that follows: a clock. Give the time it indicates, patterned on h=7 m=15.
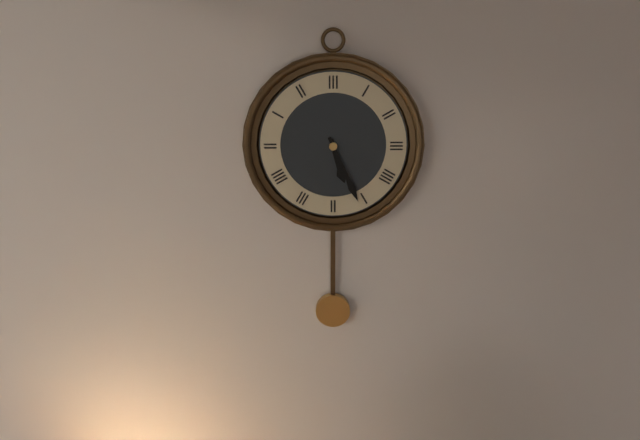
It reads h=5 m=26
